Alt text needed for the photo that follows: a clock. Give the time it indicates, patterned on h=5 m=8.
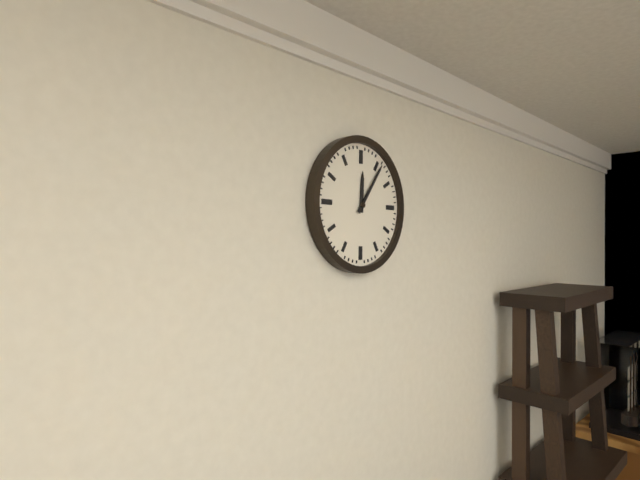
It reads h=12 m=6
